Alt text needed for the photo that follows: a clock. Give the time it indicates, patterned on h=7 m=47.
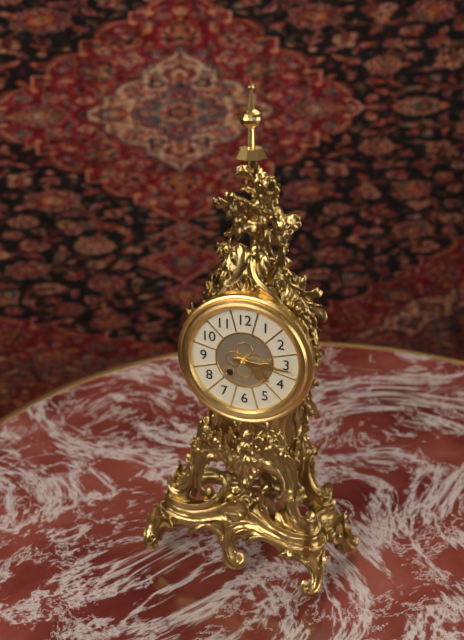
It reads h=4 m=16
